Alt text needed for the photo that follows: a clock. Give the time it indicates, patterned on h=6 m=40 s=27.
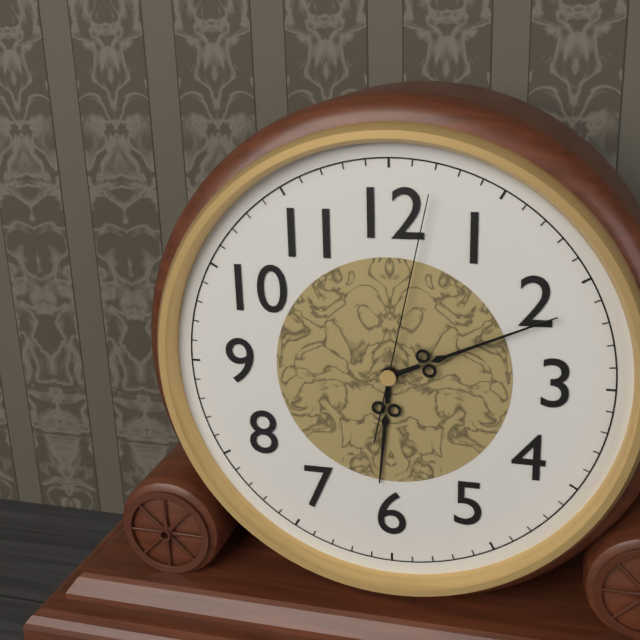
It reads h=6 m=11 s=2
